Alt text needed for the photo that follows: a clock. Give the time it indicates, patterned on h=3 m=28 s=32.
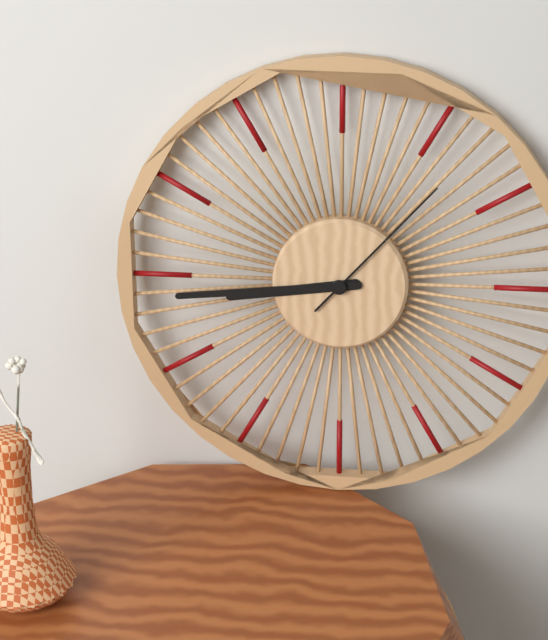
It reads h=8 m=44 s=7
